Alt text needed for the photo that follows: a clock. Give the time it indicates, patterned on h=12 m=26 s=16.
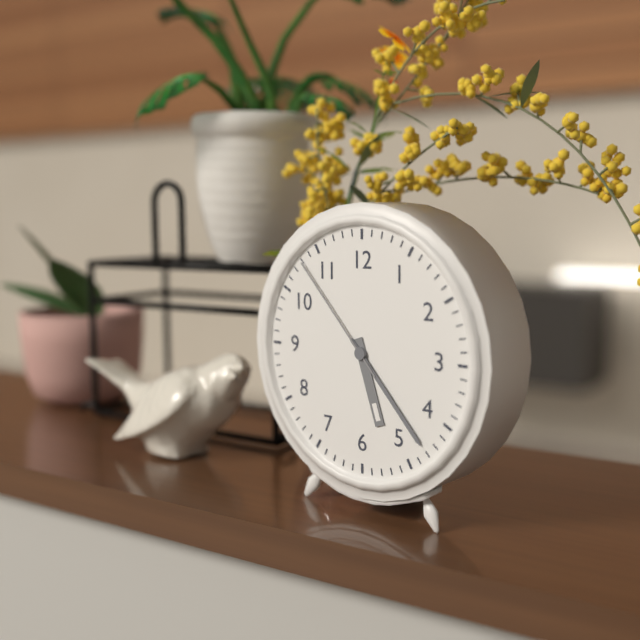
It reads h=5 m=23 s=53
